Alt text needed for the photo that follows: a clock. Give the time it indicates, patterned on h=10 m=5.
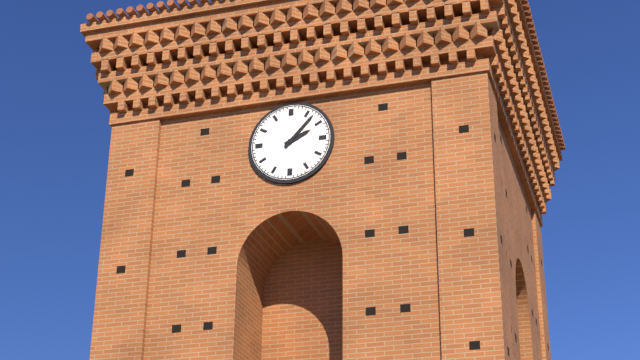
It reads h=2 m=7
